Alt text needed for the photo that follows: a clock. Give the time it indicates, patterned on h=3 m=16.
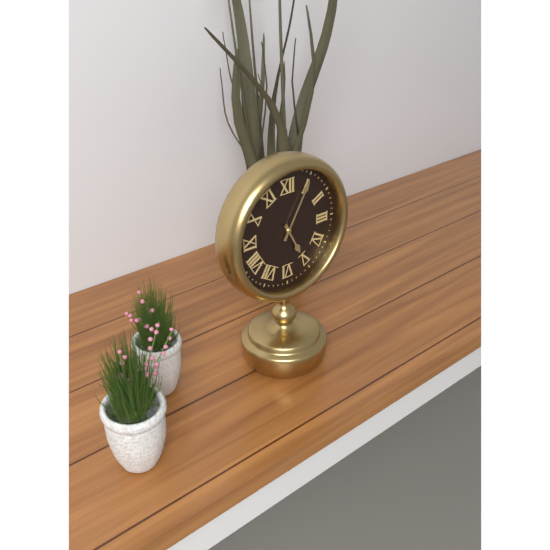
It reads h=5 m=5
